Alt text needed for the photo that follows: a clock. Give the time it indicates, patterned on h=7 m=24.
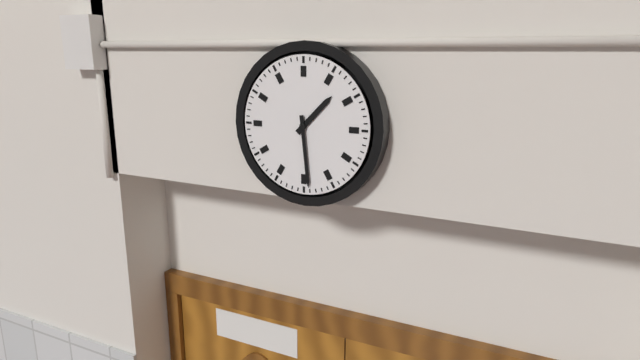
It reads h=1 m=29
